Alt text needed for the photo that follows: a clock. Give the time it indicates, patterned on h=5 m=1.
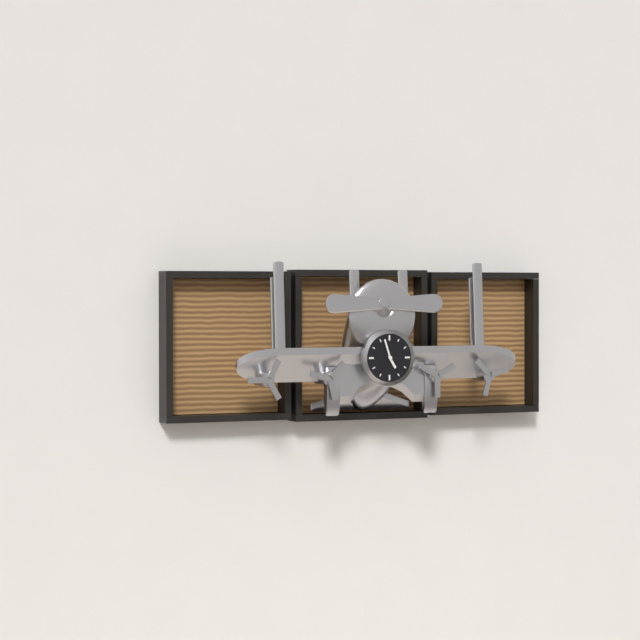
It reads h=4 m=57
